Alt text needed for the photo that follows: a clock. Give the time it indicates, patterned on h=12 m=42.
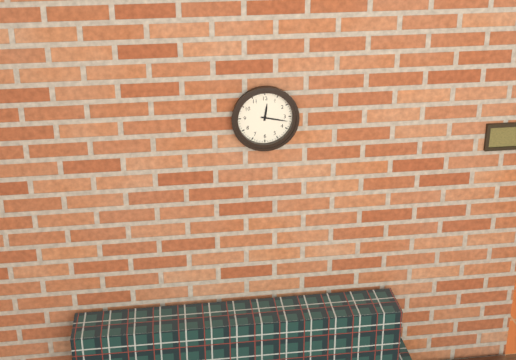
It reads h=12 m=17
